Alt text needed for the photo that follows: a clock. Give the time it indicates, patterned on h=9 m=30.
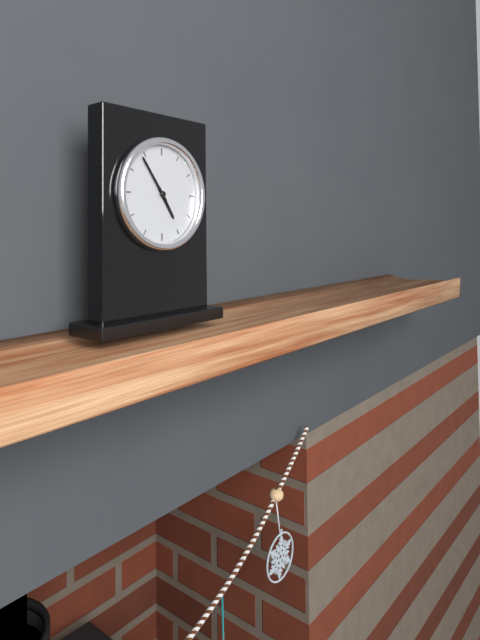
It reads h=4 m=54
